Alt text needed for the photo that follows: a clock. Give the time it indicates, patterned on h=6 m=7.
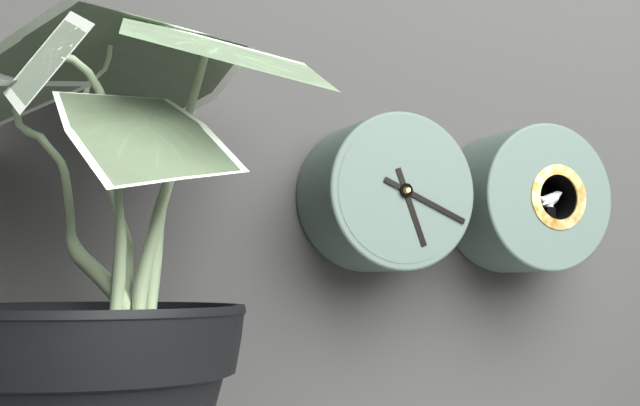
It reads h=5 m=19
